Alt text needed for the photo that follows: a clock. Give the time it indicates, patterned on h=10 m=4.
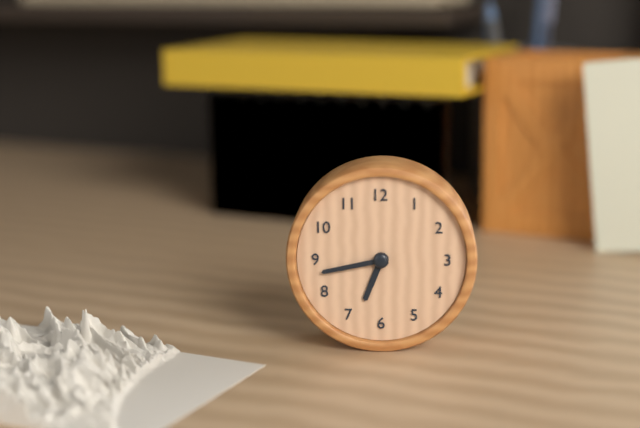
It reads h=6 m=43
